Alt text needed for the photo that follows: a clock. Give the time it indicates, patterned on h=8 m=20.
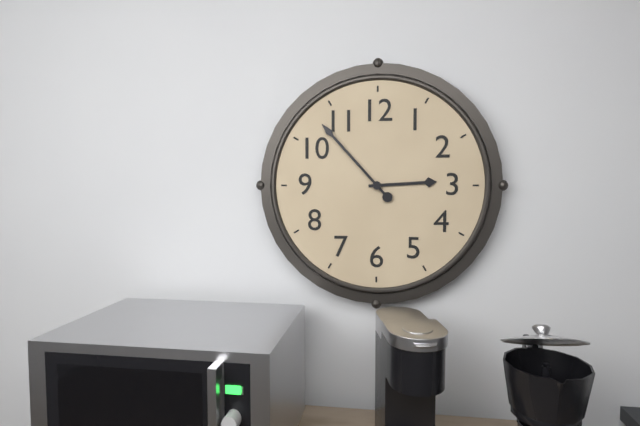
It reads h=2 m=53
